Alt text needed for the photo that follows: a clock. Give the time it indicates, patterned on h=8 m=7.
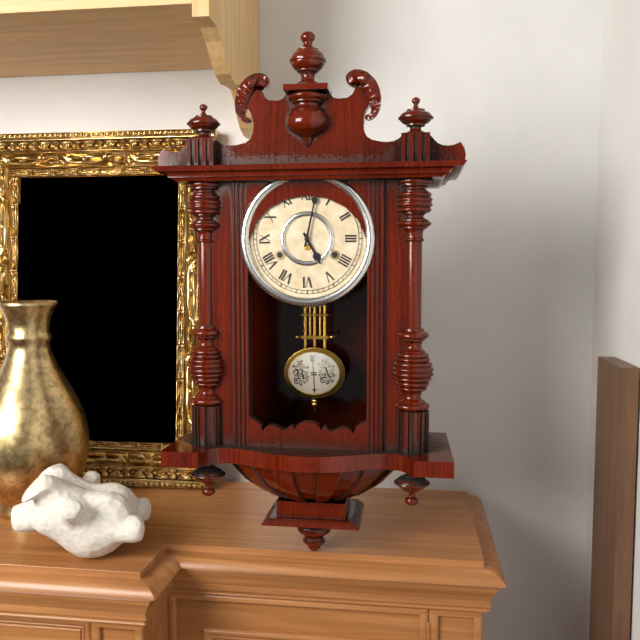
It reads h=5 m=2
